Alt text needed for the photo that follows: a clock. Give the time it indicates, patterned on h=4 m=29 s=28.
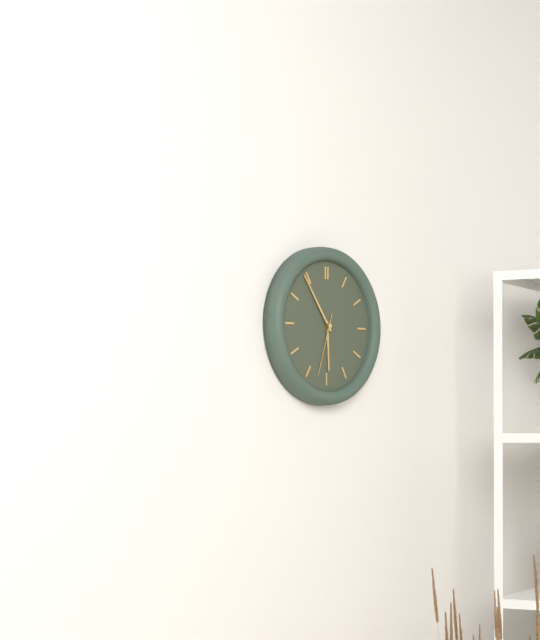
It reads h=5 m=54 s=33
